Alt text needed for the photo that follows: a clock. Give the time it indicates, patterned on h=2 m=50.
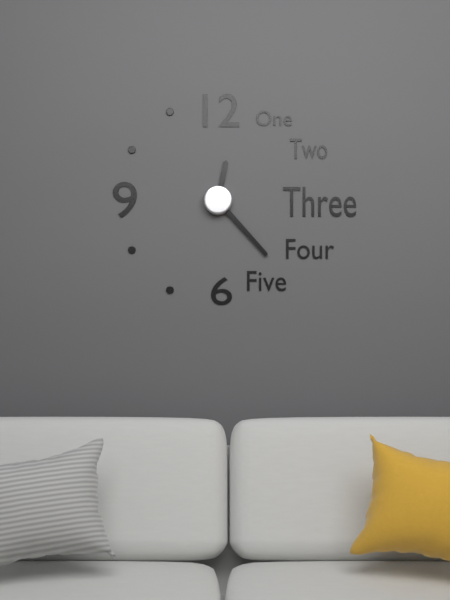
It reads h=12 m=23
